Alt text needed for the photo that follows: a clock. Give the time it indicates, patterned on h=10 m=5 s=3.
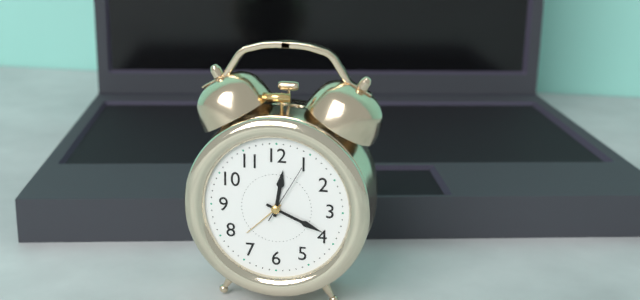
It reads h=12 m=19 s=5
